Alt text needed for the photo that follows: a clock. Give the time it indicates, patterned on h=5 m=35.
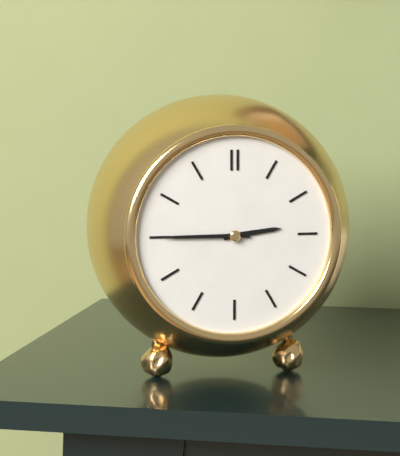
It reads h=2 m=45
